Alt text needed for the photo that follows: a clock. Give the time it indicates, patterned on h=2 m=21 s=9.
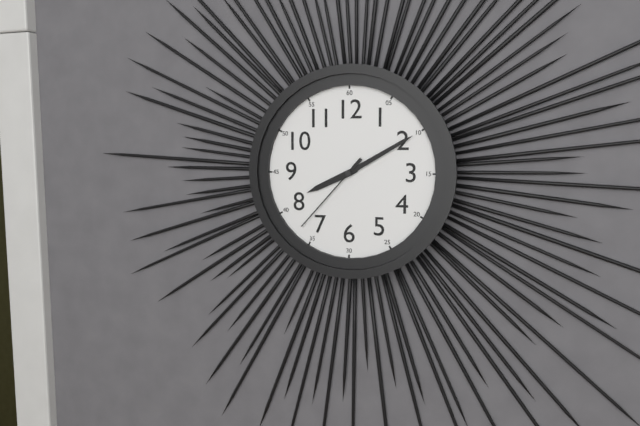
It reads h=8 m=10 s=37
